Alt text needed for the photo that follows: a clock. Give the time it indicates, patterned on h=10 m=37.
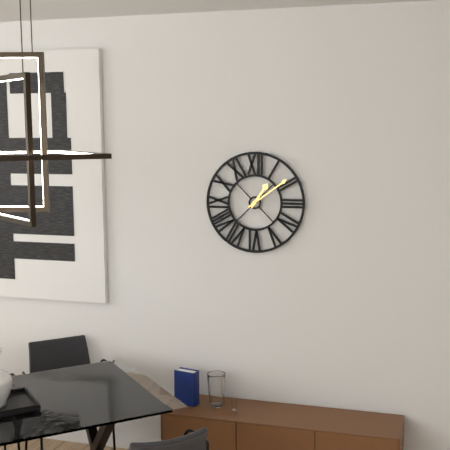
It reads h=1 m=9
